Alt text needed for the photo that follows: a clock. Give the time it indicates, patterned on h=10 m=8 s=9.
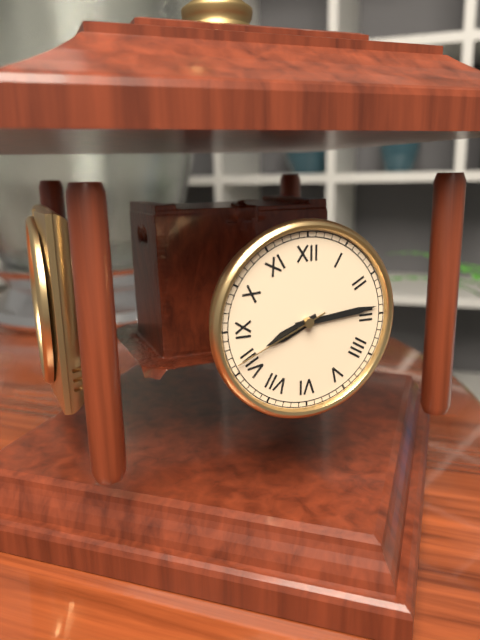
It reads h=8 m=14 s=41
